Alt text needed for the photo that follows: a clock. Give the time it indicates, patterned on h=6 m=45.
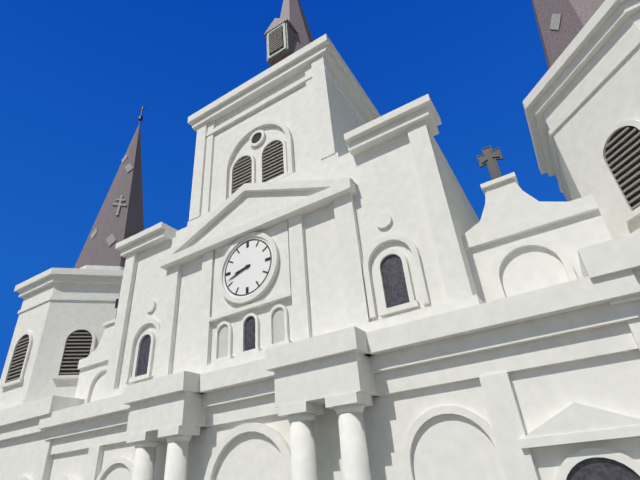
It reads h=8 m=42
